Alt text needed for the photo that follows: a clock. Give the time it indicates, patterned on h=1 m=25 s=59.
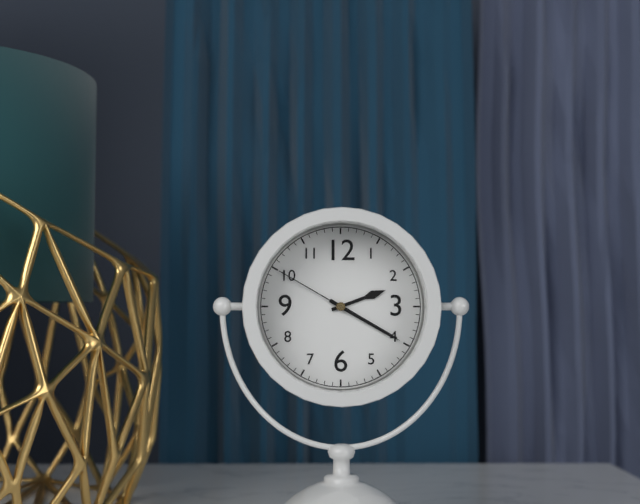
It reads h=2 m=20 s=50
